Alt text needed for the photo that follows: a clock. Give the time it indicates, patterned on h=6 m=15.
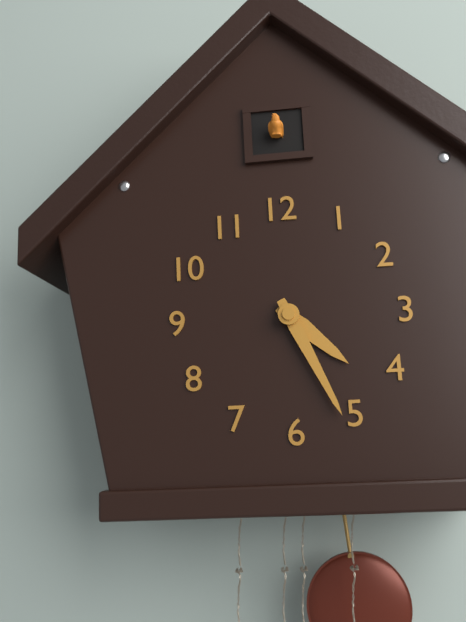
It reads h=4 m=26
